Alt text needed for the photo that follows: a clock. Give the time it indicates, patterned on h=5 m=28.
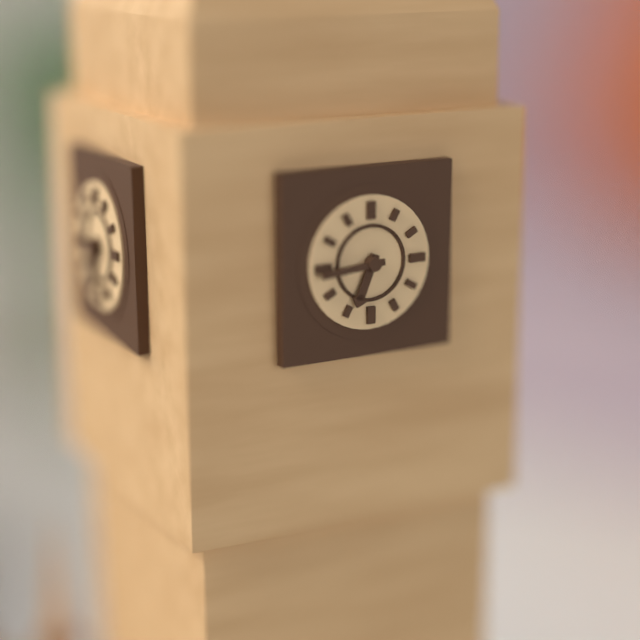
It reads h=6 m=44
